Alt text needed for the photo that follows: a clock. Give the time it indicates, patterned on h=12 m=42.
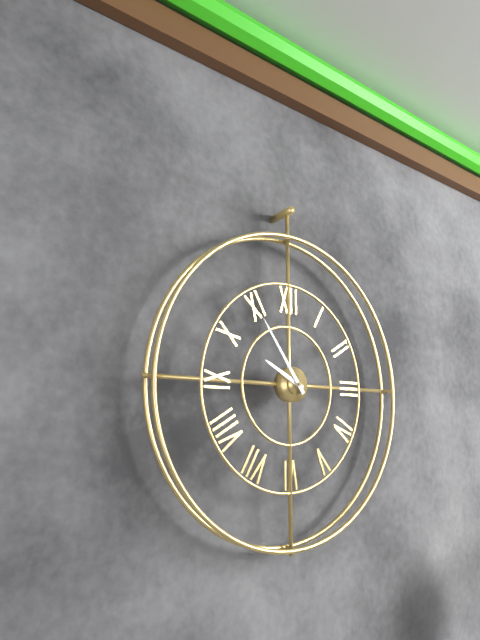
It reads h=9 m=54
